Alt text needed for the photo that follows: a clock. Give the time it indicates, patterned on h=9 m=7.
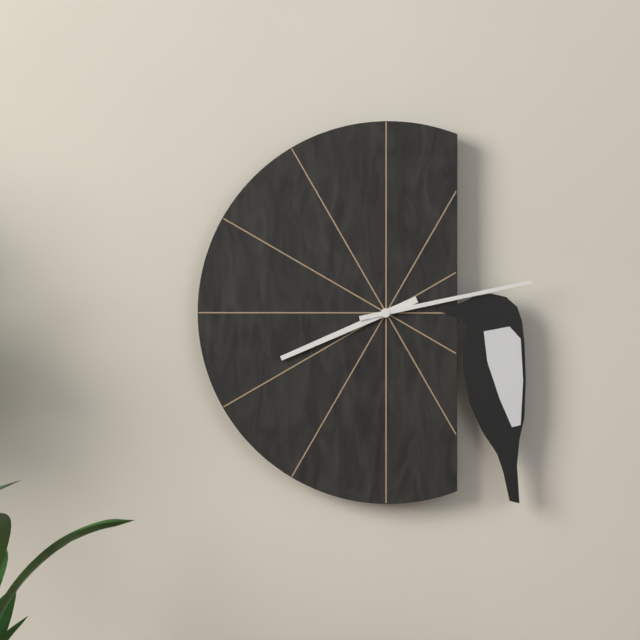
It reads h=8 m=13
